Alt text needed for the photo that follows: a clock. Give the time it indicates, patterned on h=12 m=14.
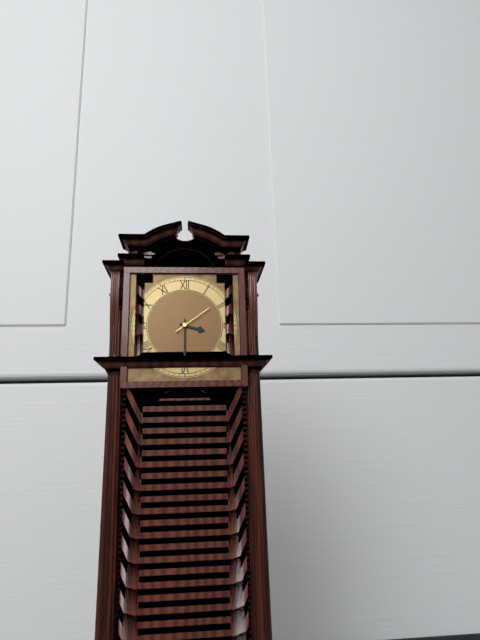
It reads h=3 m=30
